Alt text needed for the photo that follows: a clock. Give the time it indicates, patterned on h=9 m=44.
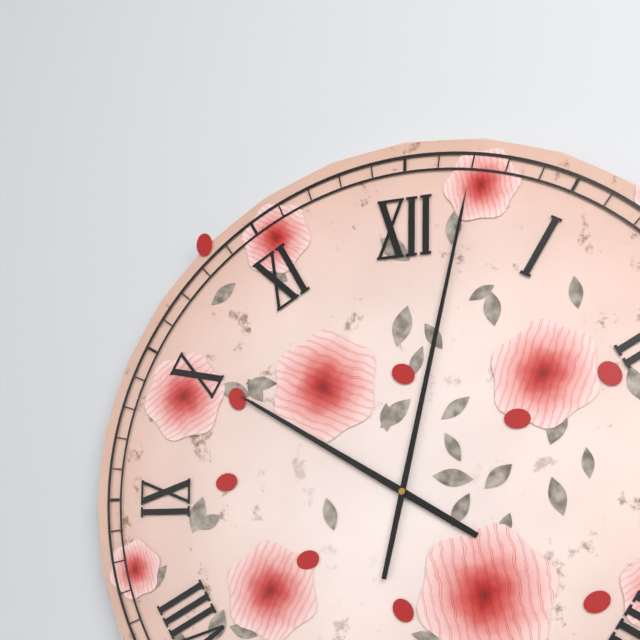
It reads h=10 m=2
